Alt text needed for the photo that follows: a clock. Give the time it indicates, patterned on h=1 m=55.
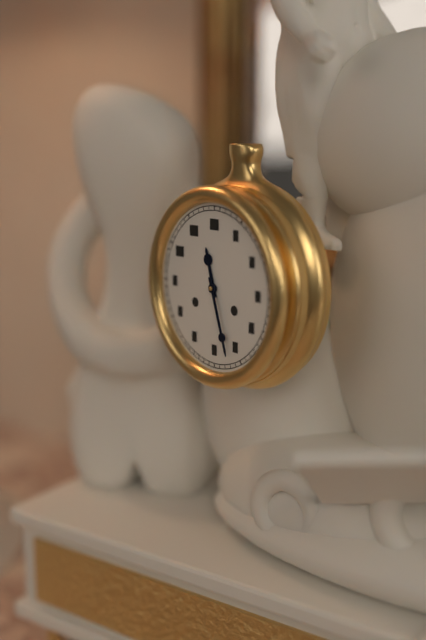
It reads h=11 m=27
